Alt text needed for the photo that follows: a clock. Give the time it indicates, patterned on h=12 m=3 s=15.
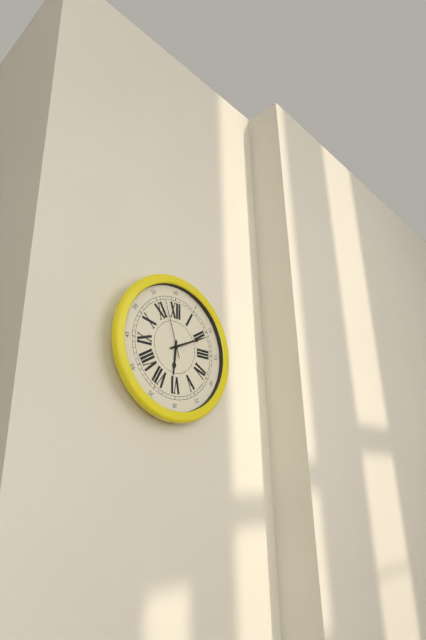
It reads h=6 m=11 s=57
